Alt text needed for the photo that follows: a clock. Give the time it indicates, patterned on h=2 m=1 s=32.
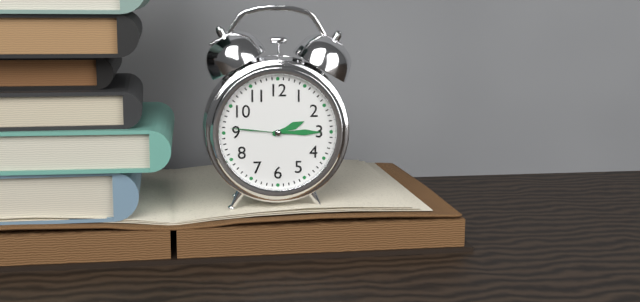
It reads h=2 m=15 s=46
